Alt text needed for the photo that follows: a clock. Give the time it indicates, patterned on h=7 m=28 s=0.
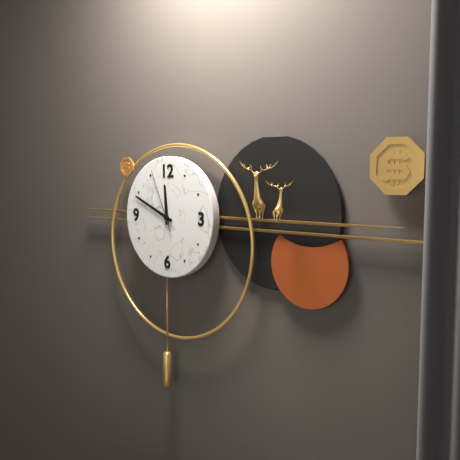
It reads h=11 m=49 s=56
